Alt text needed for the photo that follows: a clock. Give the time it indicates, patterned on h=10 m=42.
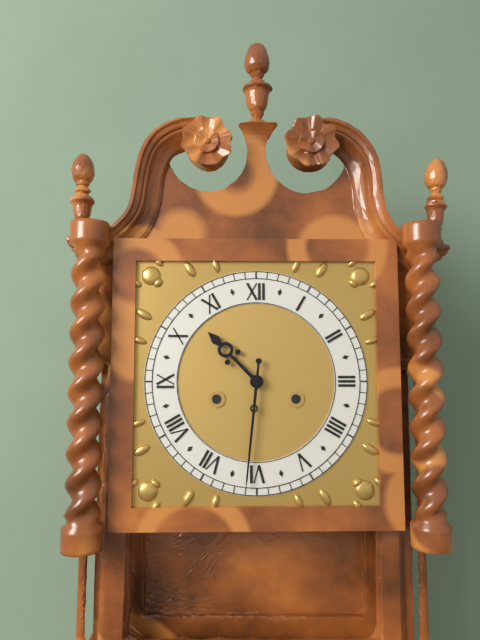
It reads h=10 m=31
